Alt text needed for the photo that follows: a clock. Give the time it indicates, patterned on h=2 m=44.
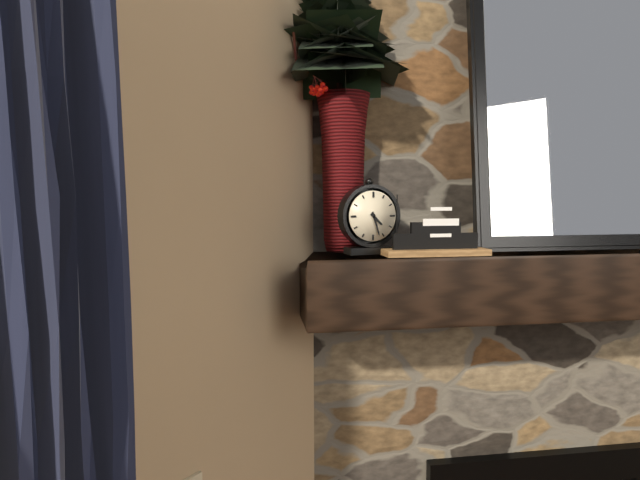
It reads h=4 m=27
